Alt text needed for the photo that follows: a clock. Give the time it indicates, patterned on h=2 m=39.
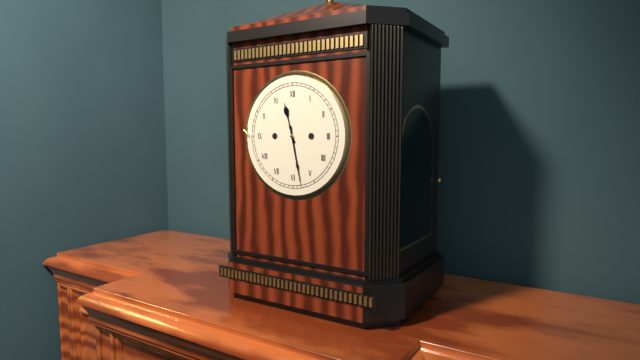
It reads h=11 m=28
